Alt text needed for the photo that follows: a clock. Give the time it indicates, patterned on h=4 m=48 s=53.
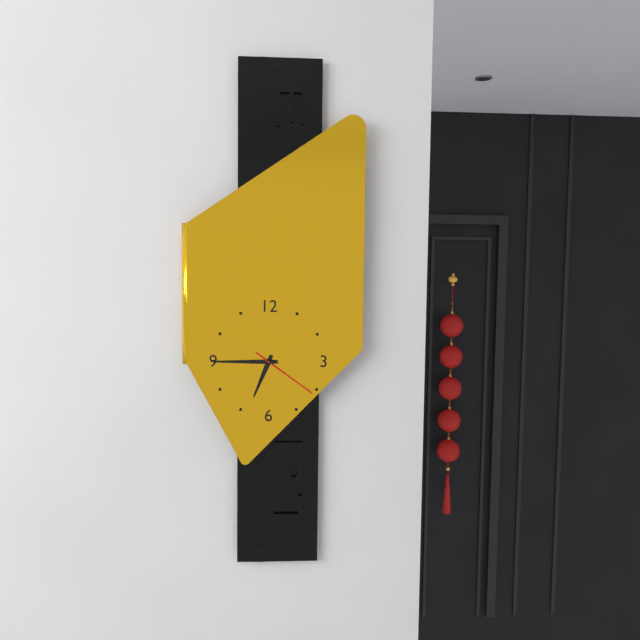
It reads h=6 m=45 s=21
